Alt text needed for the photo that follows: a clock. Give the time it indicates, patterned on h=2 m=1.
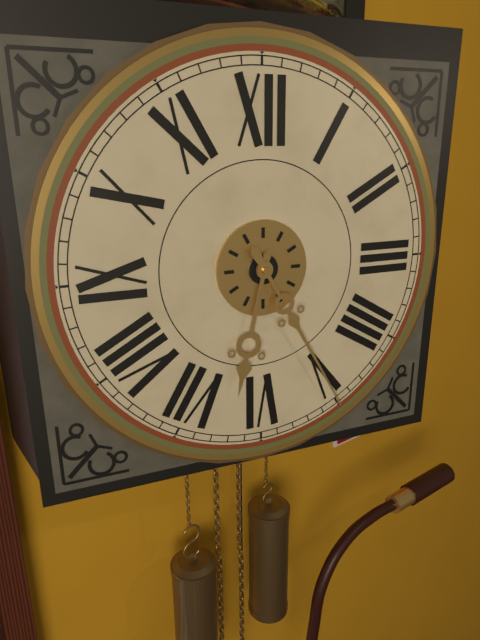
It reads h=6 m=25
